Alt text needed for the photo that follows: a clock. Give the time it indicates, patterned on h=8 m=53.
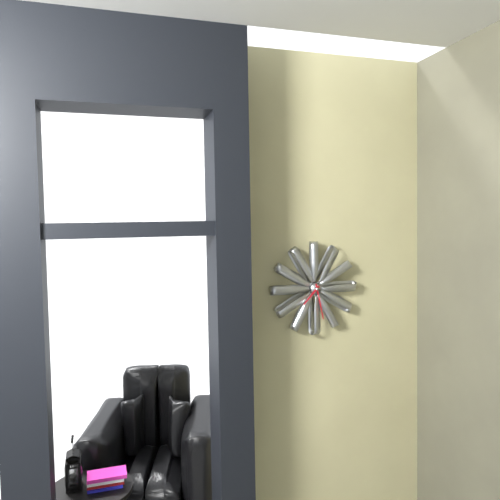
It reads h=7 m=28
